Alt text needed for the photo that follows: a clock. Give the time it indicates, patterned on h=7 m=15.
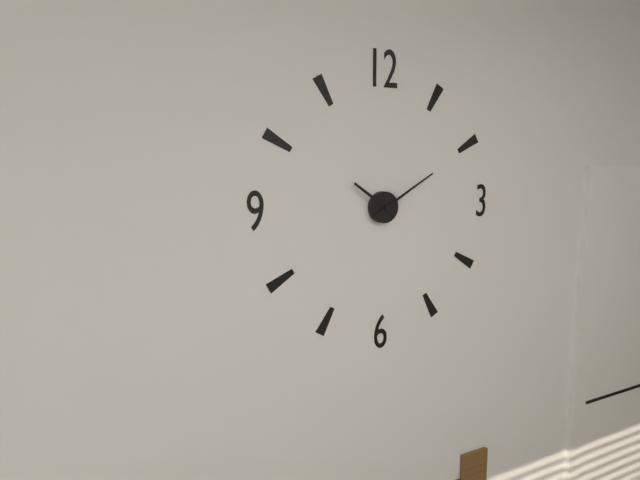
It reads h=10 m=10
